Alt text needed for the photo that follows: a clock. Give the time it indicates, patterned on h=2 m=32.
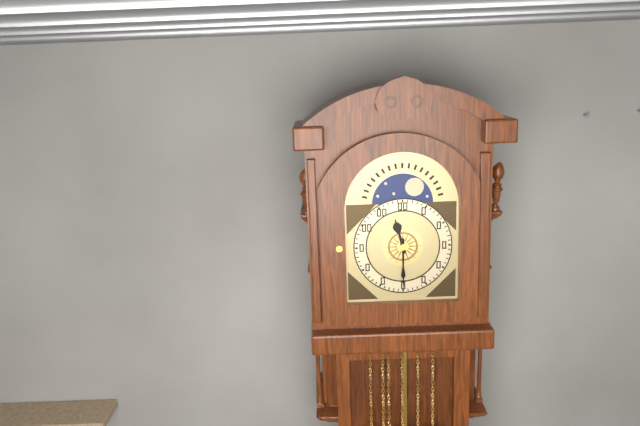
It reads h=11 m=30
